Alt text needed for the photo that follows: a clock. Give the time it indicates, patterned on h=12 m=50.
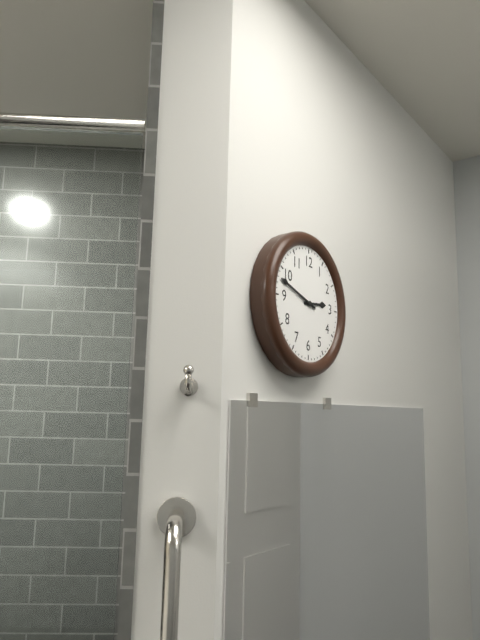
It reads h=2 m=48
